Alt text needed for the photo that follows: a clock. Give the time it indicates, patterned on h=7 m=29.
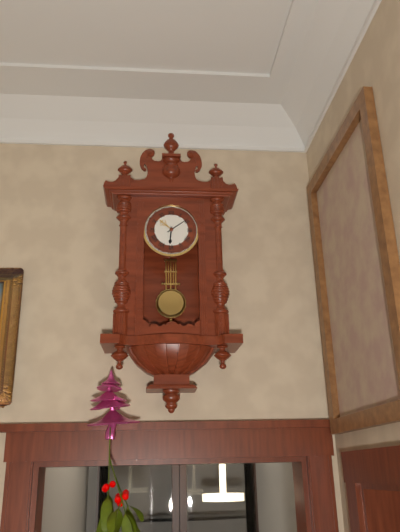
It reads h=6 m=9
